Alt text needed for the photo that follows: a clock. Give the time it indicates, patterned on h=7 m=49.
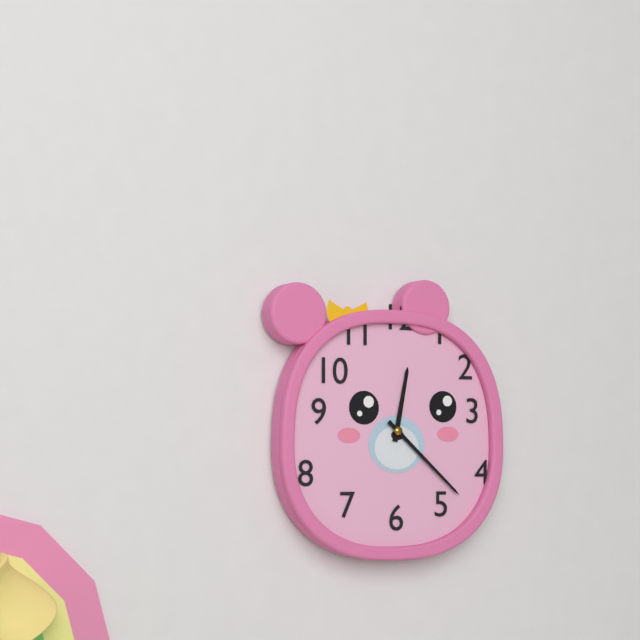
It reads h=12 m=22
